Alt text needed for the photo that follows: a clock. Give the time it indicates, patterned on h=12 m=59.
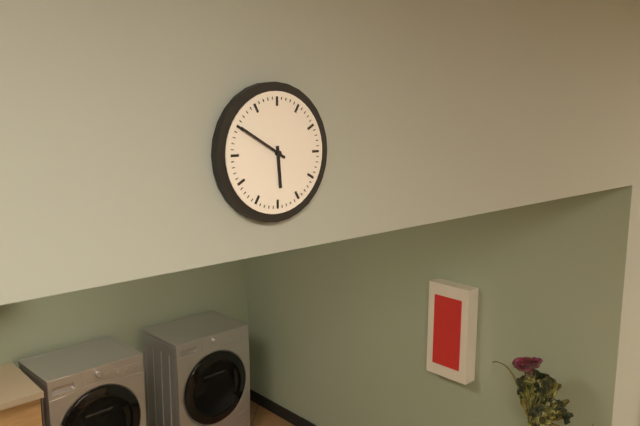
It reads h=5 m=50
